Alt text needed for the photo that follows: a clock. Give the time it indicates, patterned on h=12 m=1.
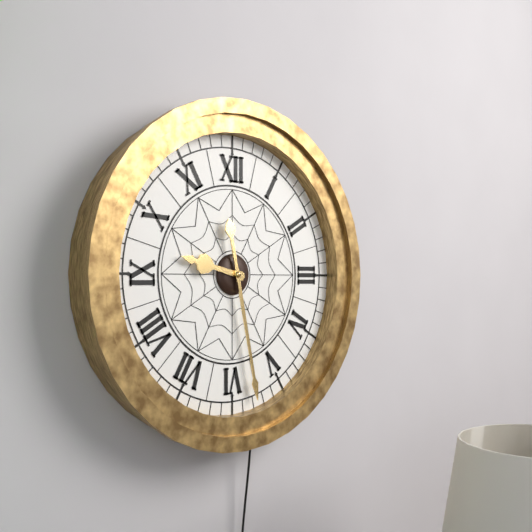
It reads h=9 m=28
